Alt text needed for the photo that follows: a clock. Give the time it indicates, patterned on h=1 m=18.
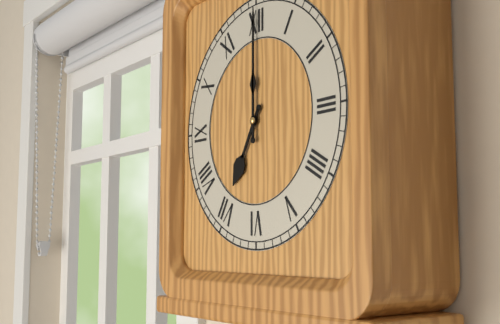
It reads h=7 m=0
